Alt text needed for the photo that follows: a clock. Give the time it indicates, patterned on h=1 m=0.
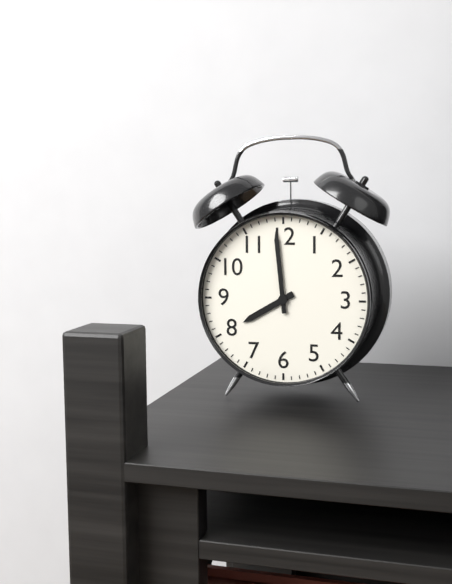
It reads h=7 m=59
